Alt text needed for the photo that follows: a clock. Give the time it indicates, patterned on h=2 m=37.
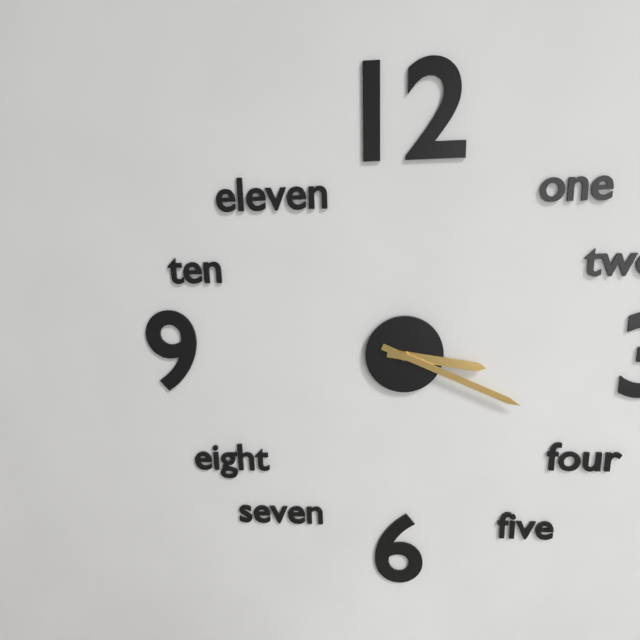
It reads h=3 m=19
